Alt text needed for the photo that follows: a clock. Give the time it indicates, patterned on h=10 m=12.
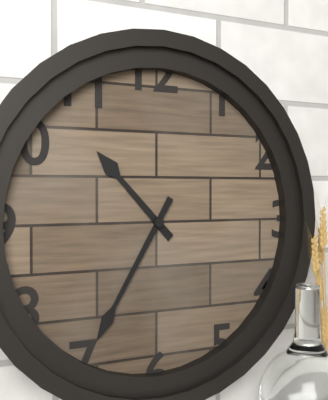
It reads h=10 m=35
